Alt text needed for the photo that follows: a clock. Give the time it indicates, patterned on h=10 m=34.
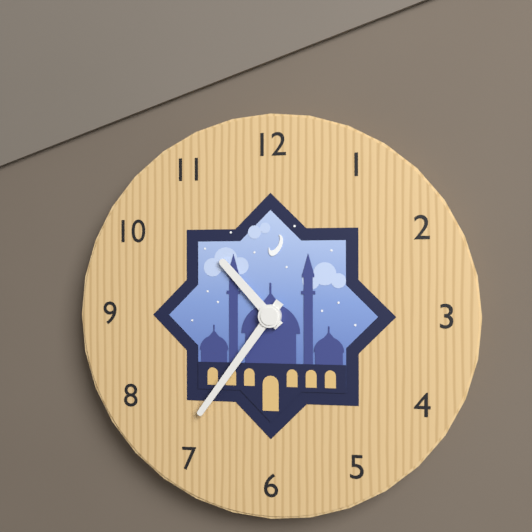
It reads h=10 m=36
